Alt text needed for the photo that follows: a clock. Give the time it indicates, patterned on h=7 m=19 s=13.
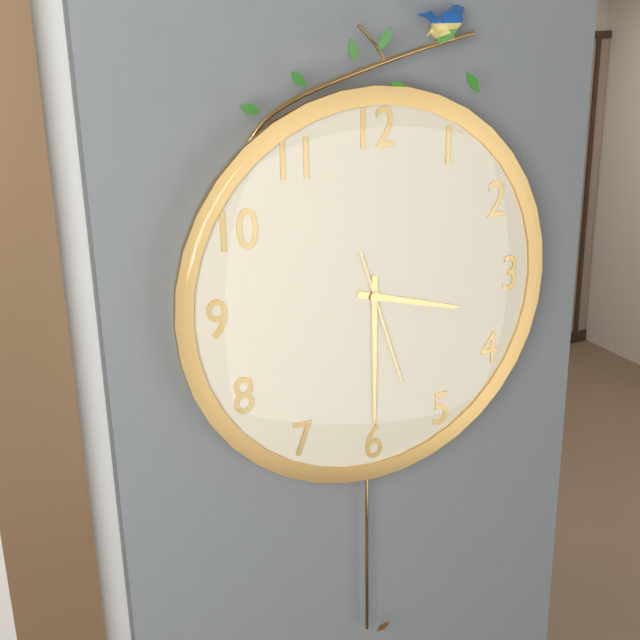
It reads h=3 m=30 s=27
